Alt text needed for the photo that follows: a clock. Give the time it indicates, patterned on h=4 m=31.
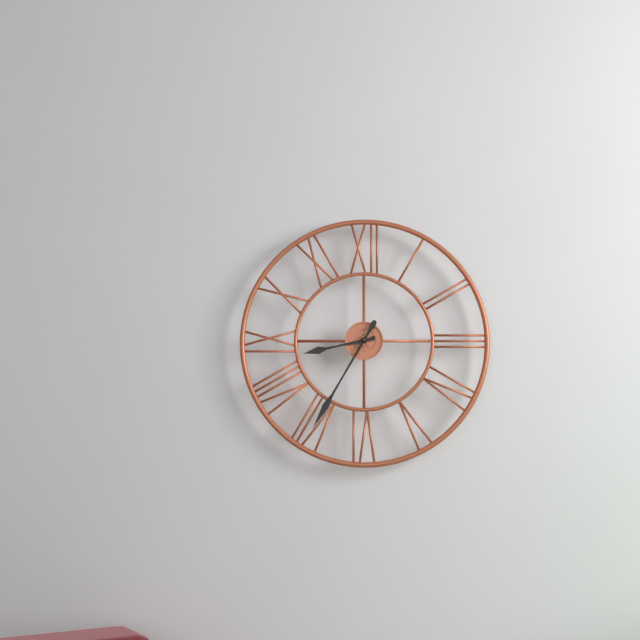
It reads h=8 m=35
